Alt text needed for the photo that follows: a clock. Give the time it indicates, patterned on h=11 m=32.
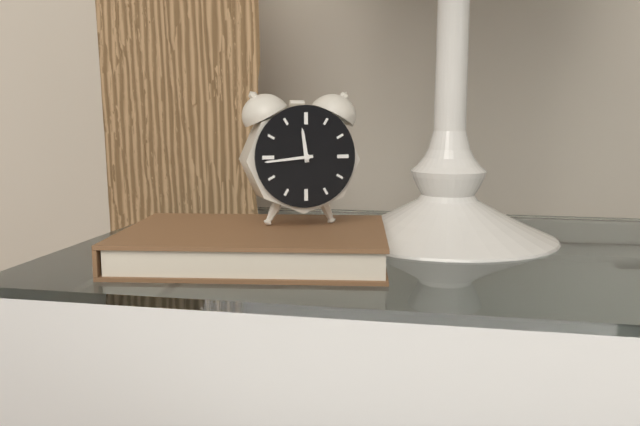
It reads h=11 m=44
